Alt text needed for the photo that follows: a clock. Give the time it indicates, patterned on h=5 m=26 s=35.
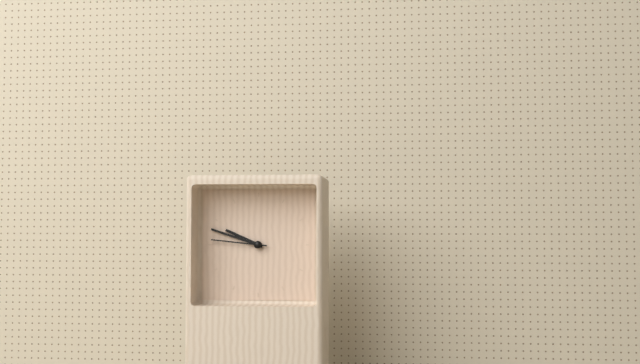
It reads h=9 m=48 s=46
